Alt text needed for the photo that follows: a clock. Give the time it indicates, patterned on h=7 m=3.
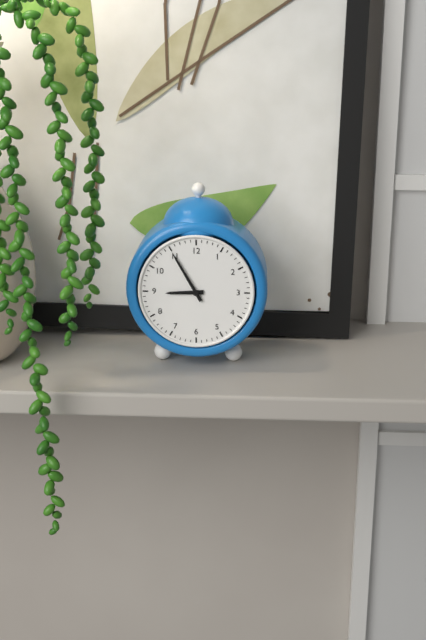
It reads h=8 m=55
